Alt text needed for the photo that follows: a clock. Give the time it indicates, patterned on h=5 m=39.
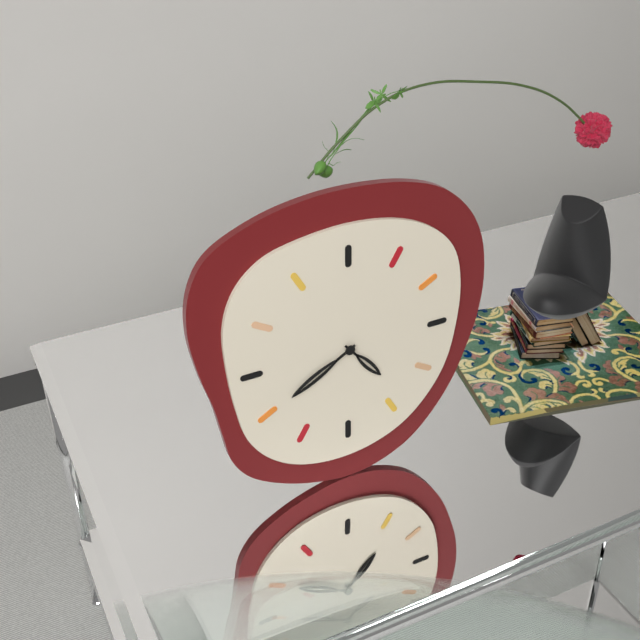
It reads h=4 m=40
